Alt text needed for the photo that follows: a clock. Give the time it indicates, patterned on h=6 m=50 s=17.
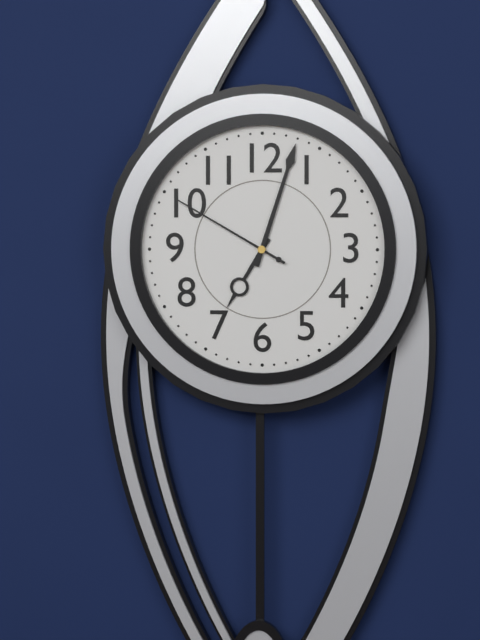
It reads h=7 m=3 s=50
